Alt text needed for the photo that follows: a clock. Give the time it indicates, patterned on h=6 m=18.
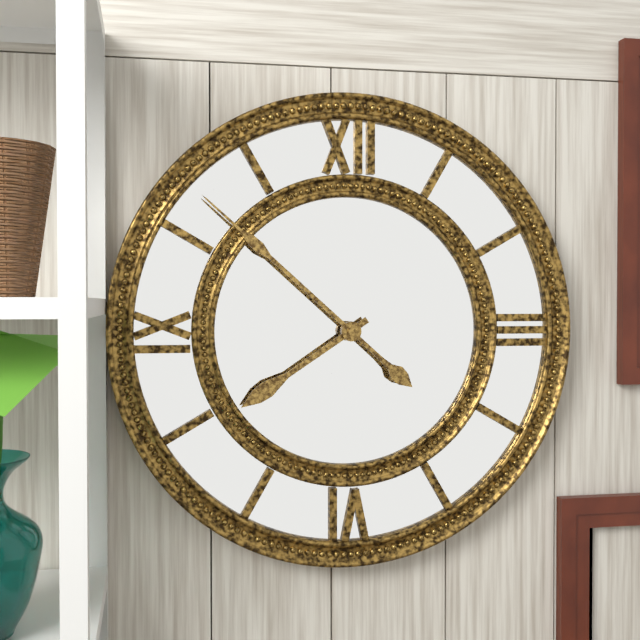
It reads h=7 m=52
